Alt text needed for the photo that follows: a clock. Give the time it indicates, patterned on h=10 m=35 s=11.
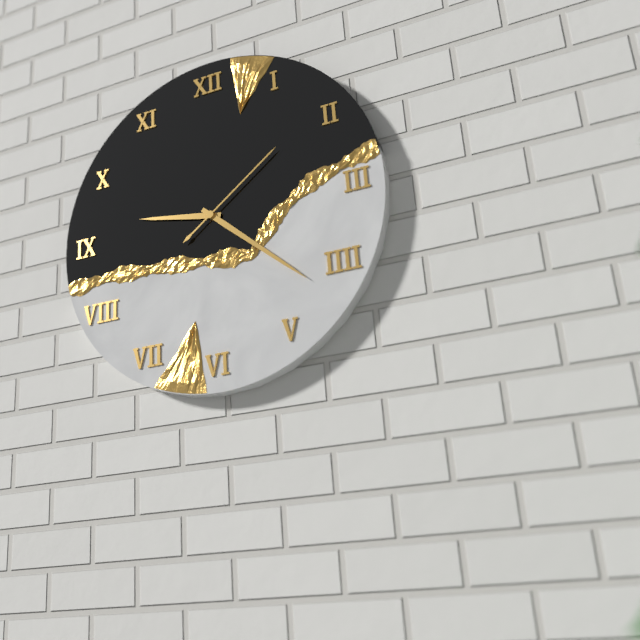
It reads h=9 m=22 s=9
